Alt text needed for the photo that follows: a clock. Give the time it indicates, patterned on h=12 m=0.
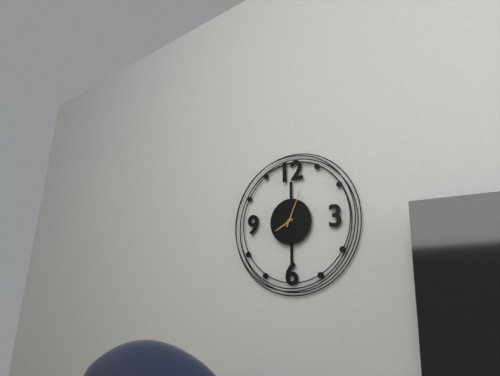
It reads h=8 m=4
